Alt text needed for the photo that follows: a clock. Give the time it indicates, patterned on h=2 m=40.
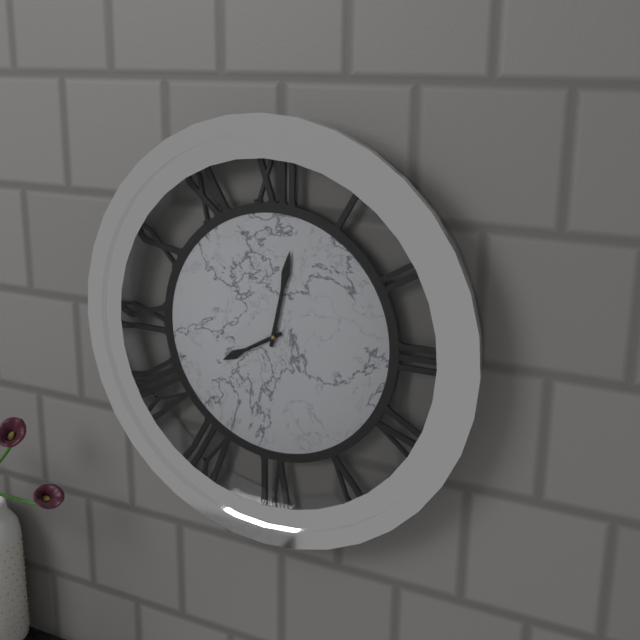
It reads h=8 m=2
